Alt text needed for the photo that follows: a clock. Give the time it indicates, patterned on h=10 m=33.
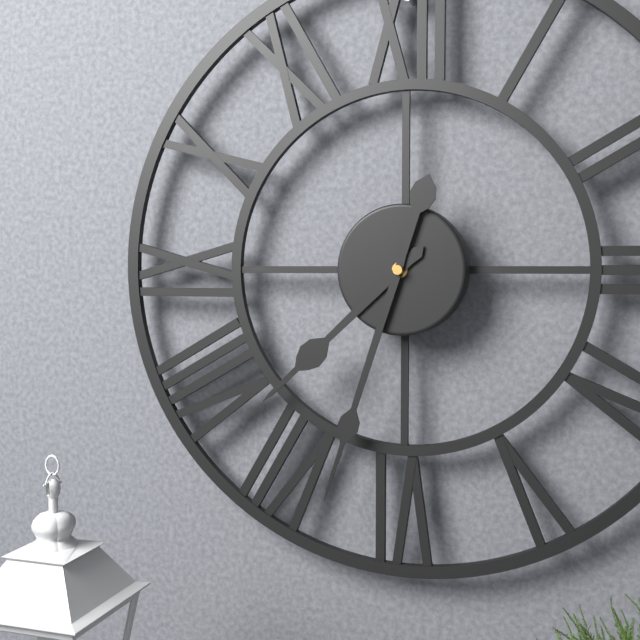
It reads h=7 m=33
